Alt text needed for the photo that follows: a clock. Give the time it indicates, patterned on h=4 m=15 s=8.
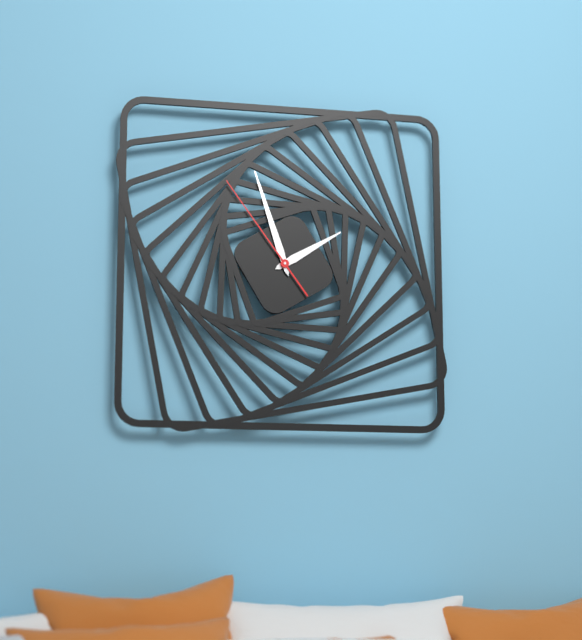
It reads h=1 m=57 s=54
